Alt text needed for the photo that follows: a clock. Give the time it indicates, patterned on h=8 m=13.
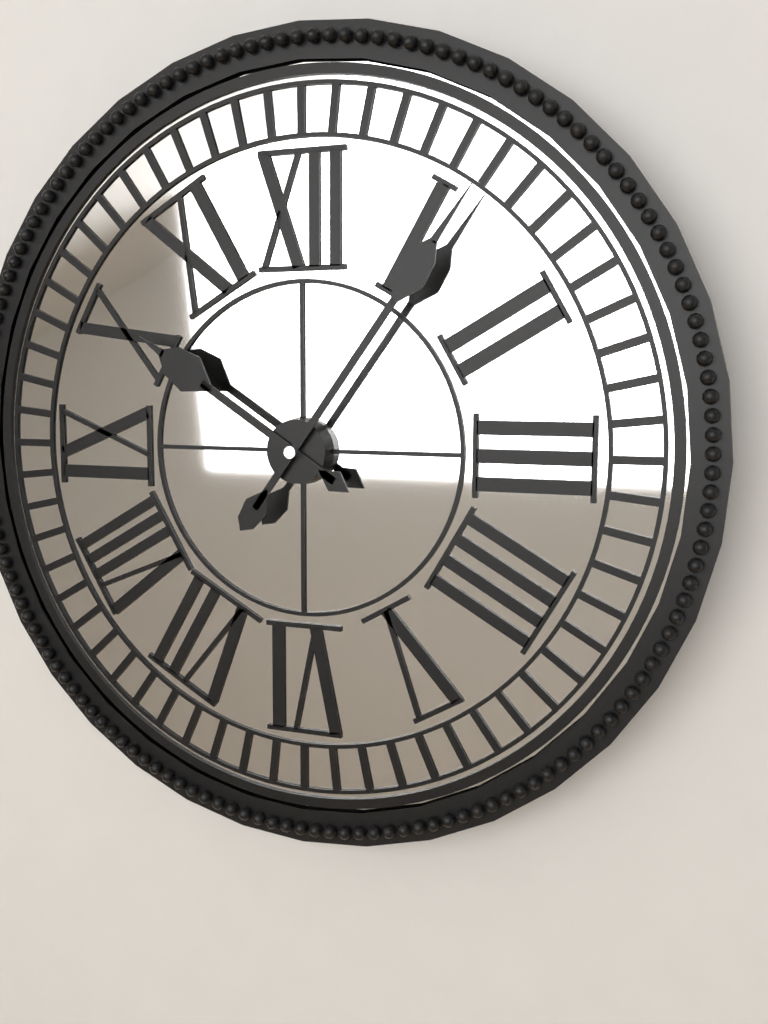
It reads h=10 m=6
